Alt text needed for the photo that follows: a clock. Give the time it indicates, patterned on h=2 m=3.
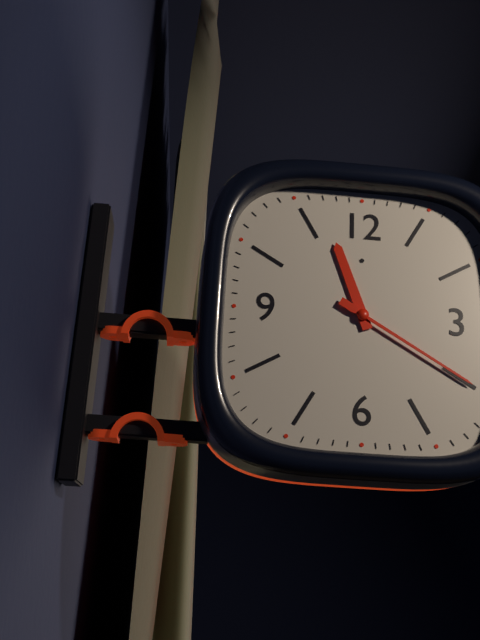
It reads h=11 m=20
